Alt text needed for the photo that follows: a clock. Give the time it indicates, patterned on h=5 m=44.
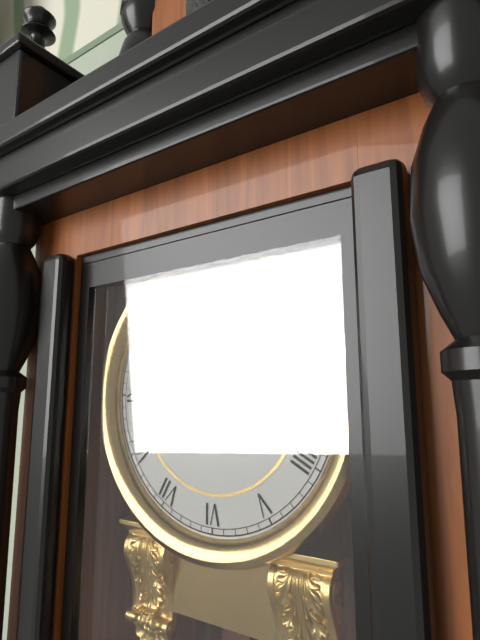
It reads h=9 m=51
